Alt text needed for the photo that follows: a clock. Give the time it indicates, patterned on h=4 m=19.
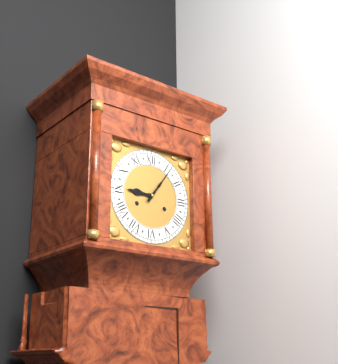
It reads h=9 m=6
